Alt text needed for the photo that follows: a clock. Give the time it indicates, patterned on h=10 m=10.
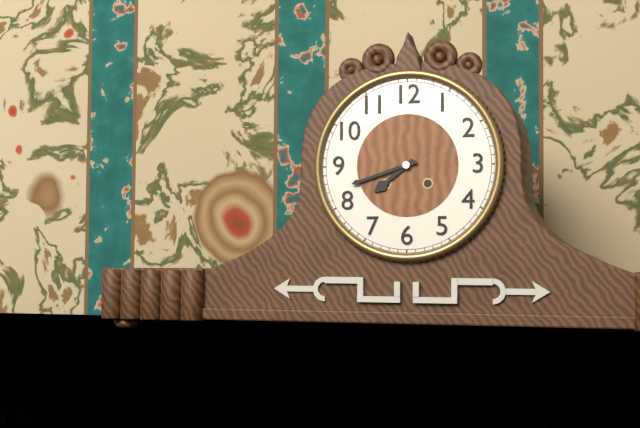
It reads h=7 m=42
